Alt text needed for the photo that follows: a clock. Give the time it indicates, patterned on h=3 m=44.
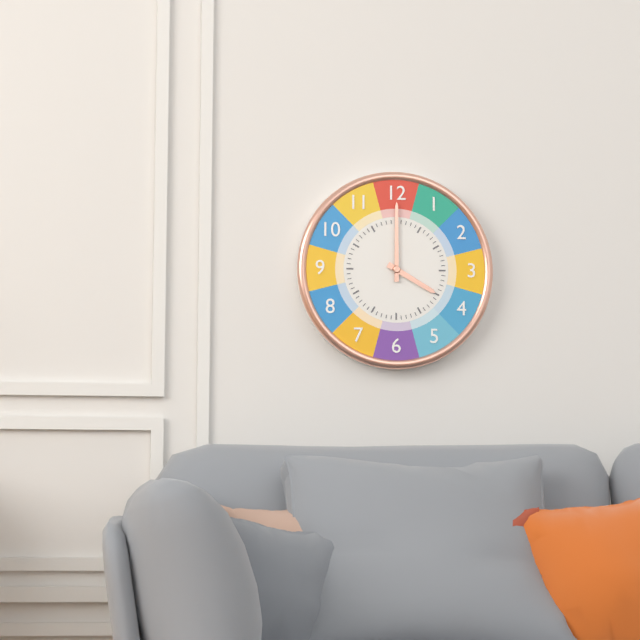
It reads h=4 m=0
